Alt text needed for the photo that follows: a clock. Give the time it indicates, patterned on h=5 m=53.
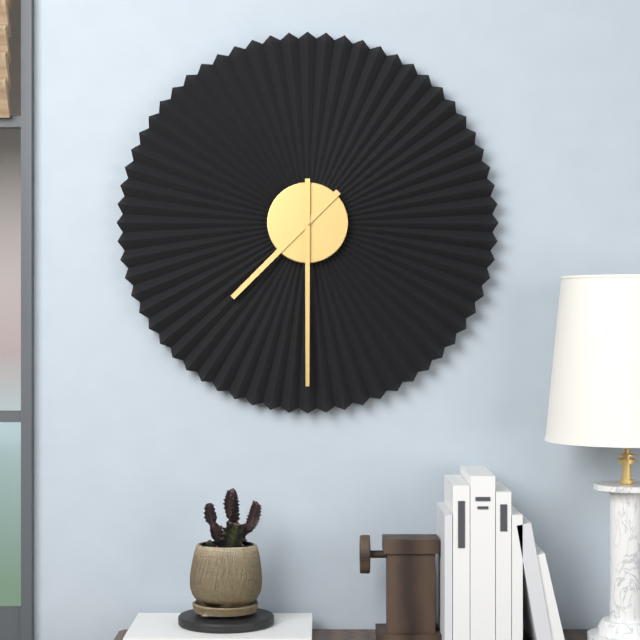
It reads h=7 m=30
